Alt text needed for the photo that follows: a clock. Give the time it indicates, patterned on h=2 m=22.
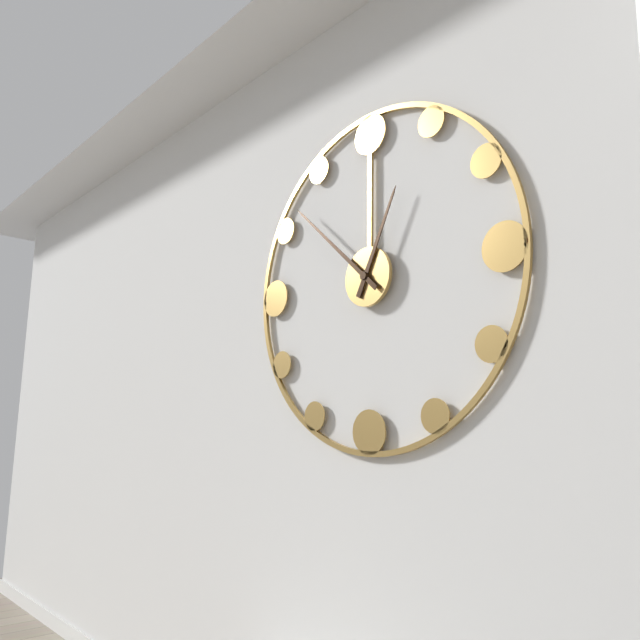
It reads h=12 m=52
